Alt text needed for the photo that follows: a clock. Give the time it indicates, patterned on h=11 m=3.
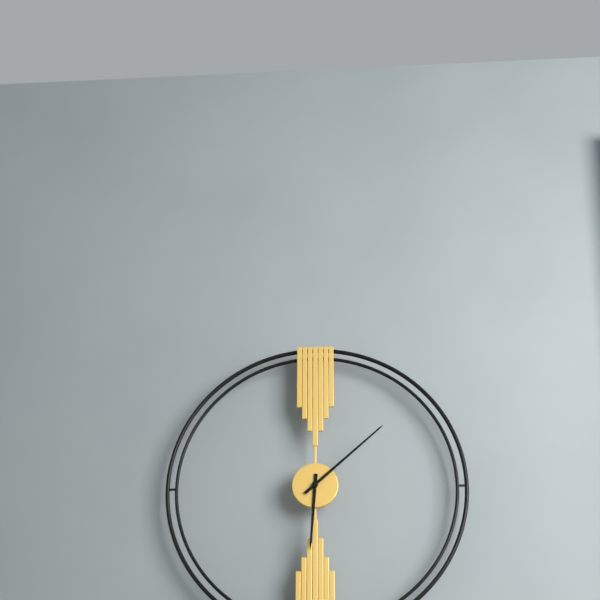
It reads h=6 m=8
